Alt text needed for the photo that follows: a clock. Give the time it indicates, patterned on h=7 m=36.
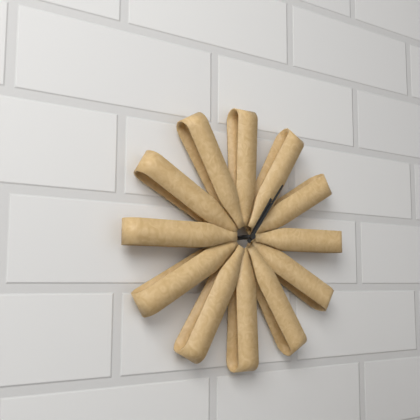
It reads h=1 m=6
